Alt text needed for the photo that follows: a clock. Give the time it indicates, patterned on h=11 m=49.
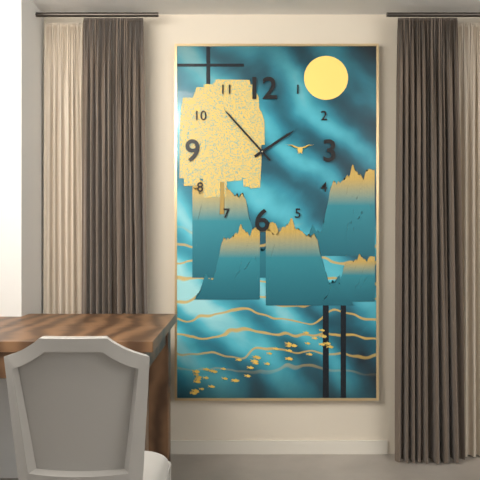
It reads h=1 m=53
